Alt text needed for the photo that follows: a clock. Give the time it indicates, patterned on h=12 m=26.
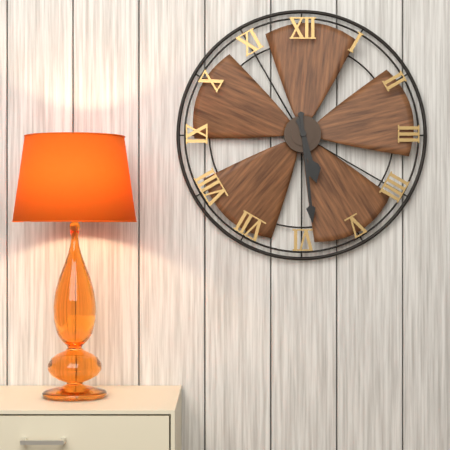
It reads h=5 m=29
